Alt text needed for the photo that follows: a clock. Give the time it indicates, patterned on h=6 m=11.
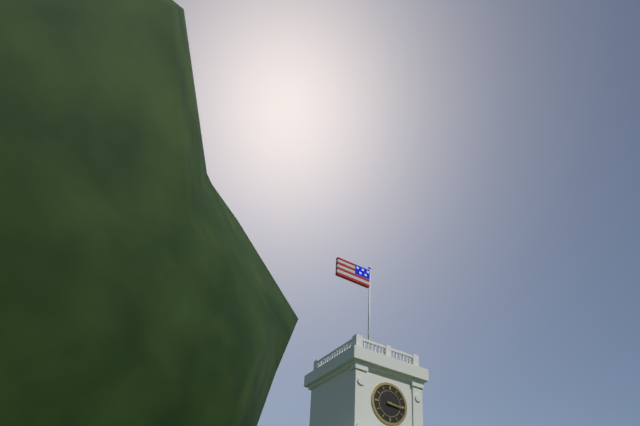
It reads h=3 m=16
